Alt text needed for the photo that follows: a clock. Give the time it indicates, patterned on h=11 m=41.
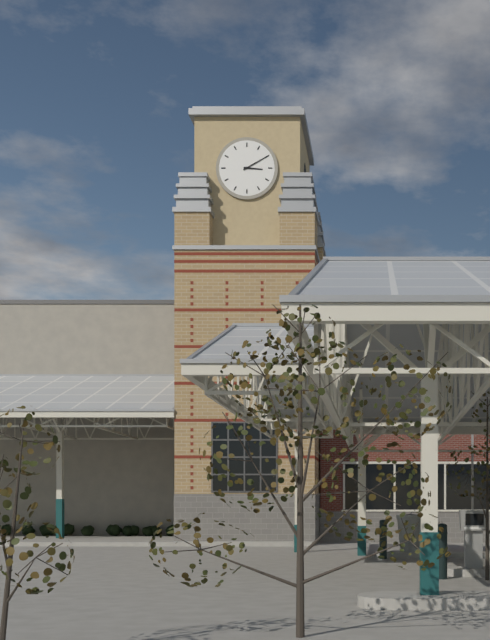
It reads h=3 m=10
